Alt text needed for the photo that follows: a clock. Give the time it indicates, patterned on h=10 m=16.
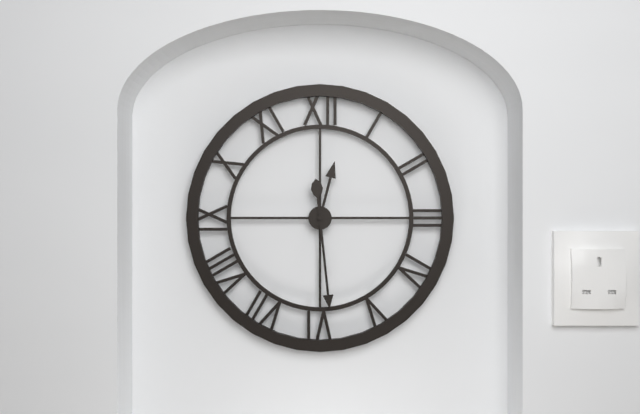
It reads h=12 m=29
